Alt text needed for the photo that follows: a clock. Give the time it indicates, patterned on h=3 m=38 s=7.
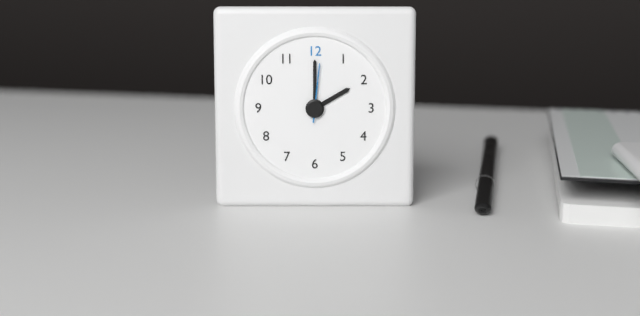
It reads h=2 m=0 s=1
